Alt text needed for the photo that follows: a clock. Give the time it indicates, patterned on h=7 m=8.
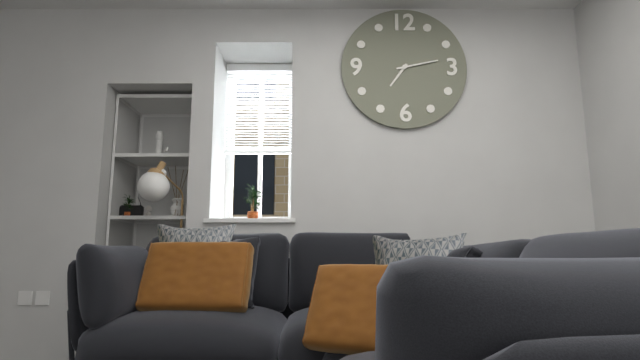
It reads h=7 m=13
